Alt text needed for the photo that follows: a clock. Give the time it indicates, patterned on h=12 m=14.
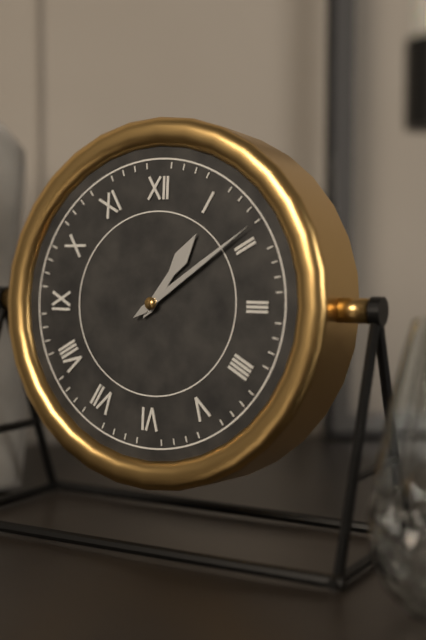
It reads h=1 m=9
